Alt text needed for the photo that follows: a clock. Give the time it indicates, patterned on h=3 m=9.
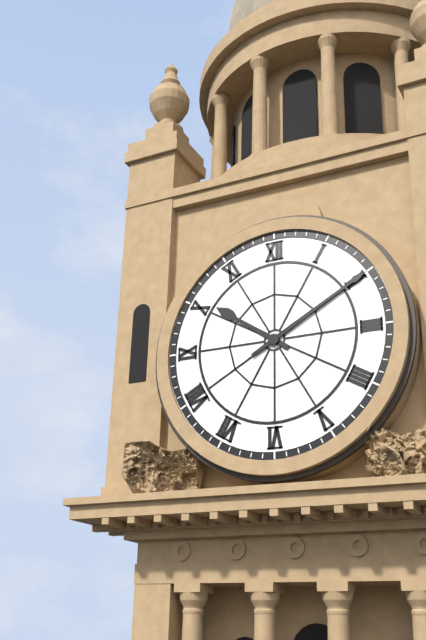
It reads h=10 m=10
